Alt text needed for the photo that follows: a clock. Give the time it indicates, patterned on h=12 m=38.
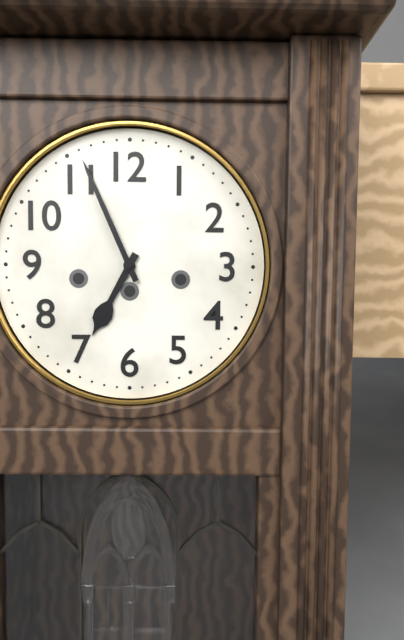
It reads h=6 m=56
